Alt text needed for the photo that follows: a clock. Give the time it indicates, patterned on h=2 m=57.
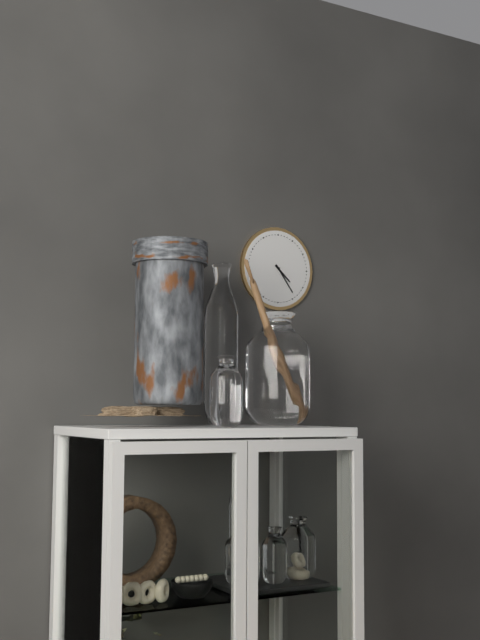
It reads h=4 m=24
